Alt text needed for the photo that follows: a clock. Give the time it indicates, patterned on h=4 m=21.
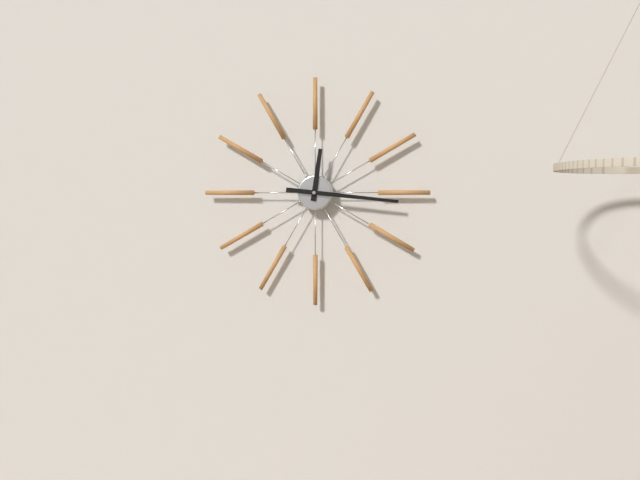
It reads h=12 m=16
